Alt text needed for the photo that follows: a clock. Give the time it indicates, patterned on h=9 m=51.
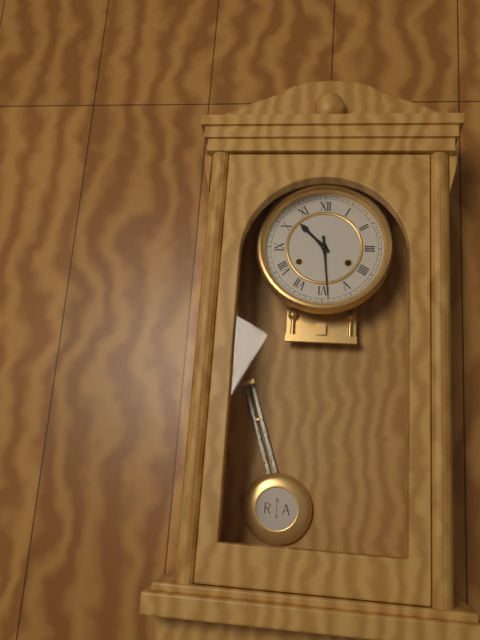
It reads h=10 m=29
